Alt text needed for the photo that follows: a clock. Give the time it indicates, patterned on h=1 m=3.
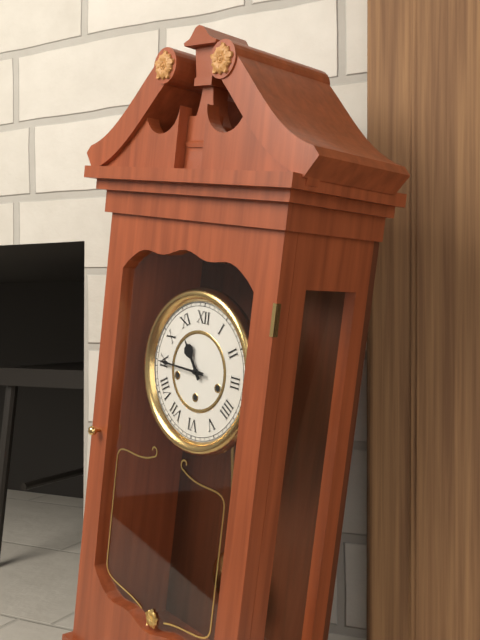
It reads h=10 m=45
